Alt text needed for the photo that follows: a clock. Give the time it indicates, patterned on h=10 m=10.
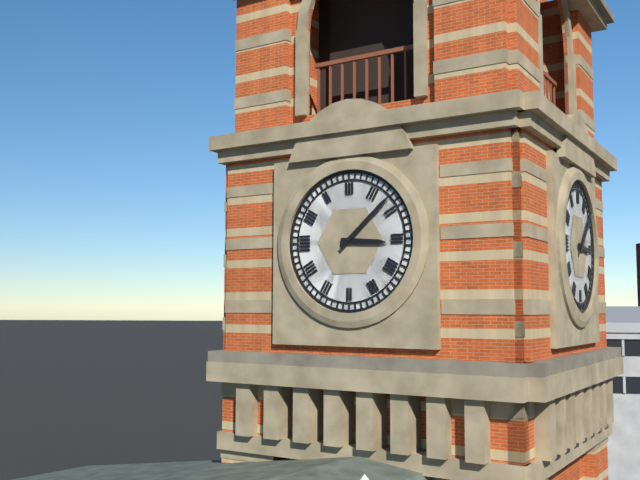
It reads h=3 m=8
